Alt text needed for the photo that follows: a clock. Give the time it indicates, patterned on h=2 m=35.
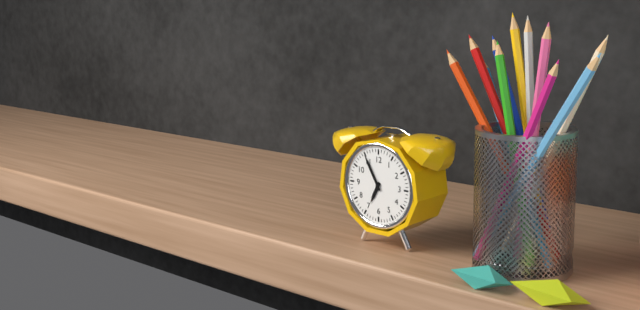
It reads h=6 m=55
